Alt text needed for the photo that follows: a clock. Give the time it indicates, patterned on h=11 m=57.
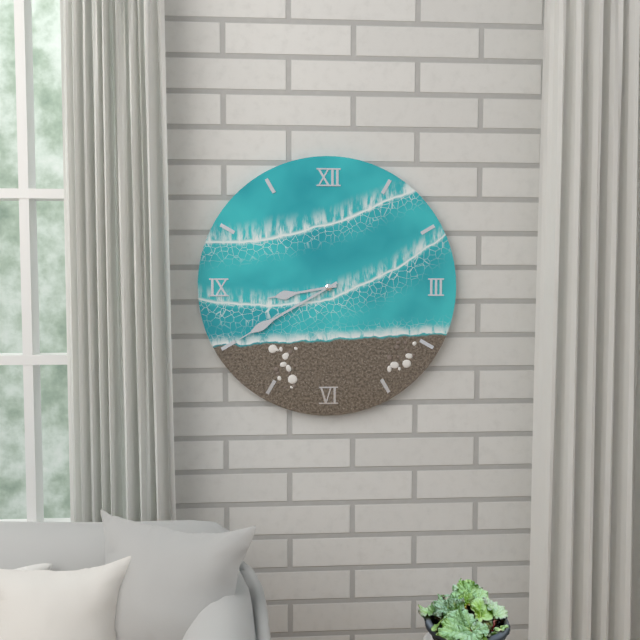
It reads h=8 m=40
